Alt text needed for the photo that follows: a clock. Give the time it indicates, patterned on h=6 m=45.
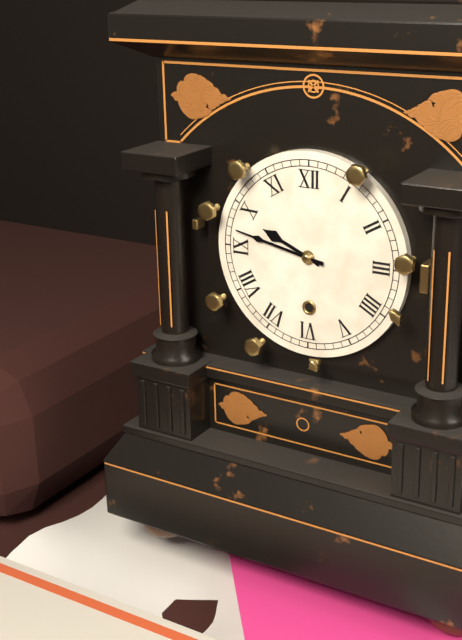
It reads h=9 m=47
